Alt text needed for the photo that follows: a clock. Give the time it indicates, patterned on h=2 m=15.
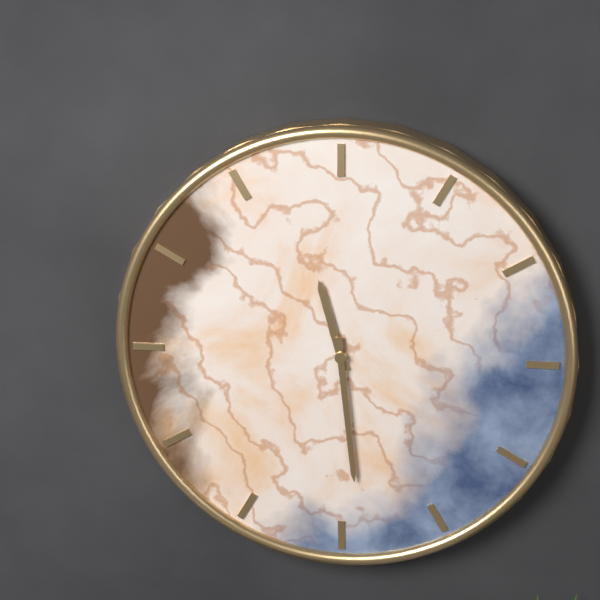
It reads h=11 m=29
